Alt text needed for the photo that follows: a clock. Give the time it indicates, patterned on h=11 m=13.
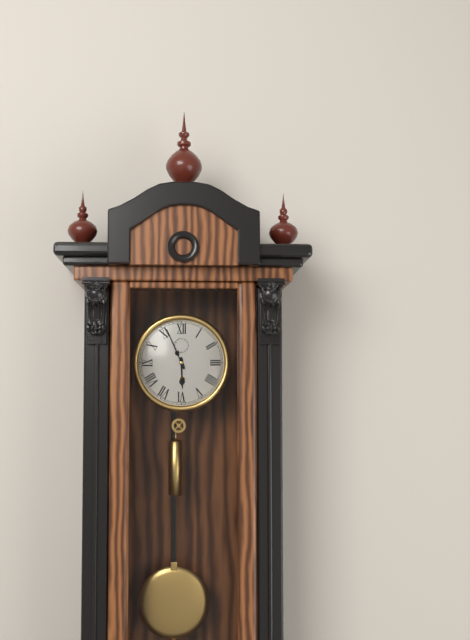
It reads h=5 m=56
